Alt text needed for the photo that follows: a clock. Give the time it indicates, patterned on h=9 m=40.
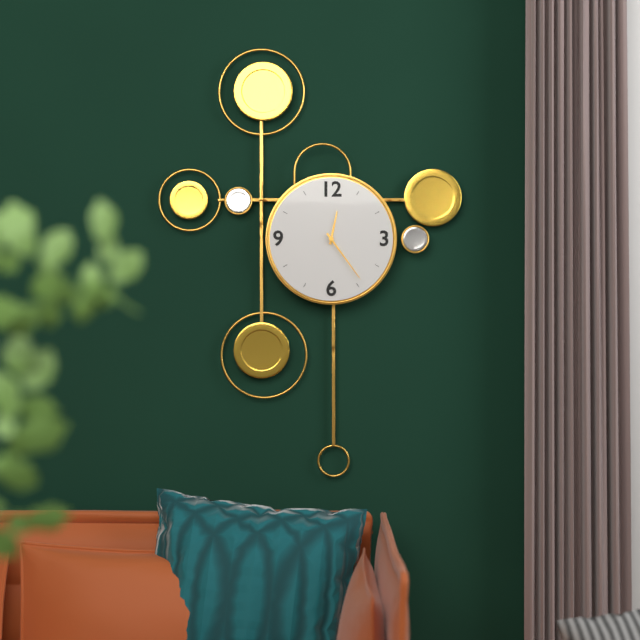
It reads h=12 m=24
